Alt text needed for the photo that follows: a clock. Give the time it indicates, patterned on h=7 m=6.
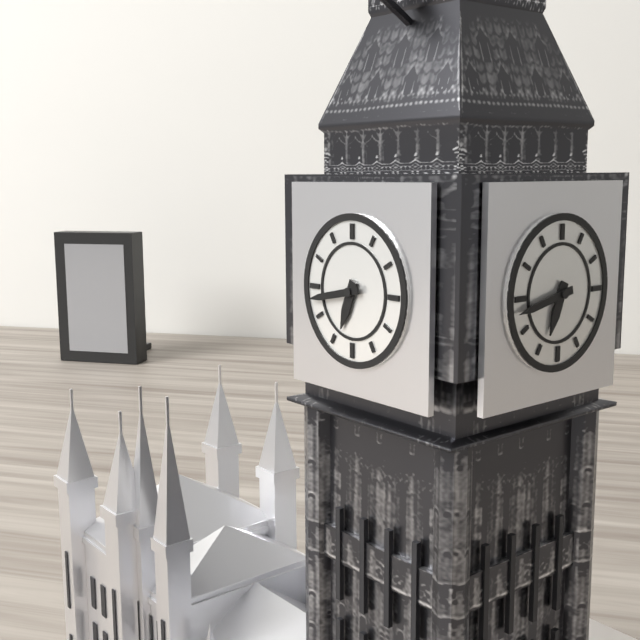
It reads h=6 m=43
